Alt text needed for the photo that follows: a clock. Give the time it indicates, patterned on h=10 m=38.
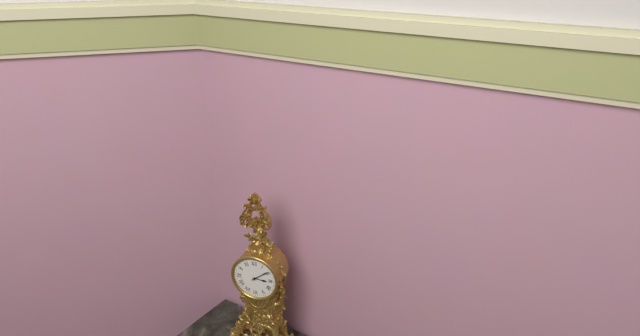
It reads h=3 m=9
